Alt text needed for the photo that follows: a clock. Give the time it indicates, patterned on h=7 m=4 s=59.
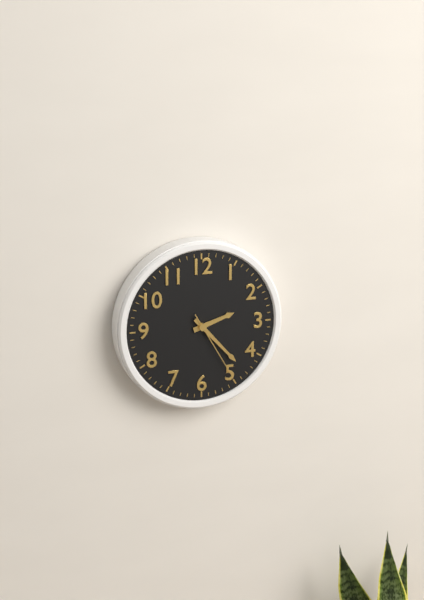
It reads h=2 m=23 s=25
